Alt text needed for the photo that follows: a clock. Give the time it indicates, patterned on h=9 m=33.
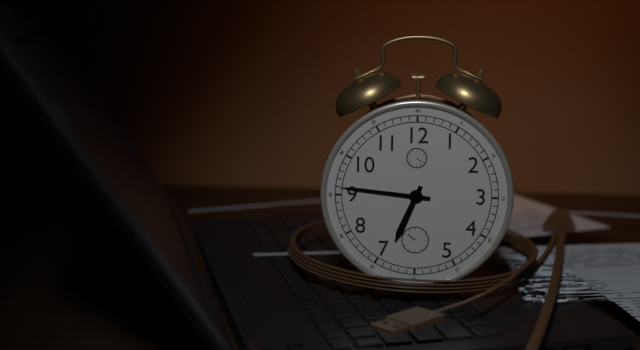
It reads h=6 m=46
